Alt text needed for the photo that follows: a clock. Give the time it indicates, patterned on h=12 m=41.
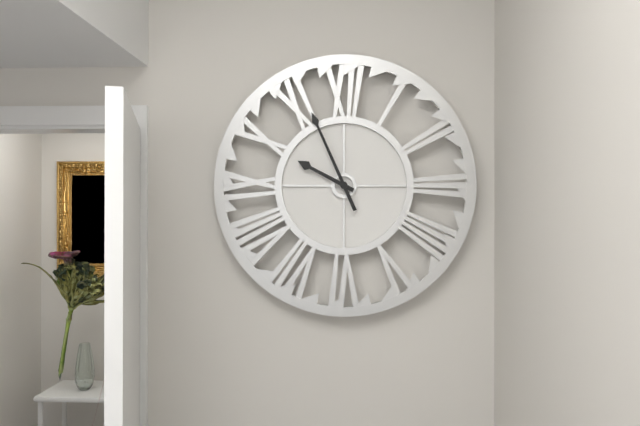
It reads h=9 m=56
